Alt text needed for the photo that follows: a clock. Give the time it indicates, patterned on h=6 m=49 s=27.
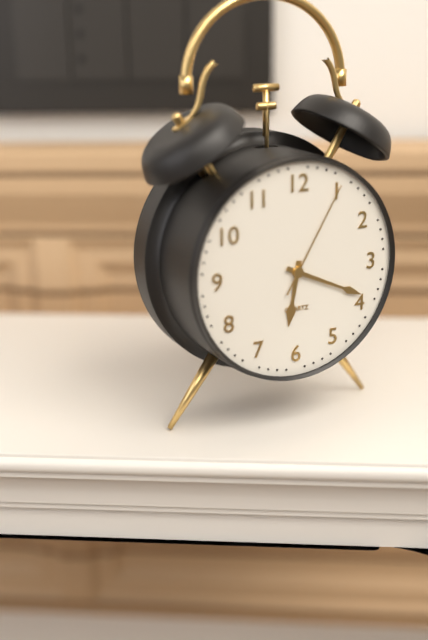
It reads h=6 m=19 s=5
